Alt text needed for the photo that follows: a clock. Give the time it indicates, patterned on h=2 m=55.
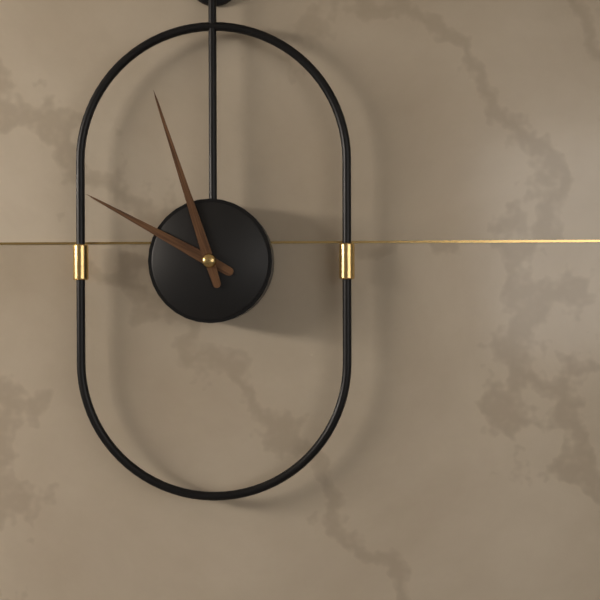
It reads h=9 m=57
